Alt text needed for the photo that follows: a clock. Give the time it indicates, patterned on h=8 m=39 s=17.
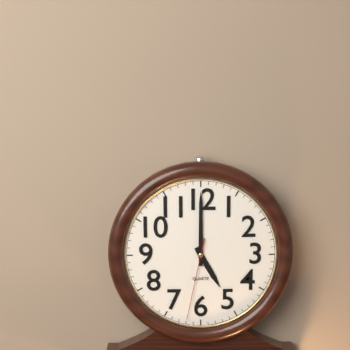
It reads h=5 m=0 s=32
